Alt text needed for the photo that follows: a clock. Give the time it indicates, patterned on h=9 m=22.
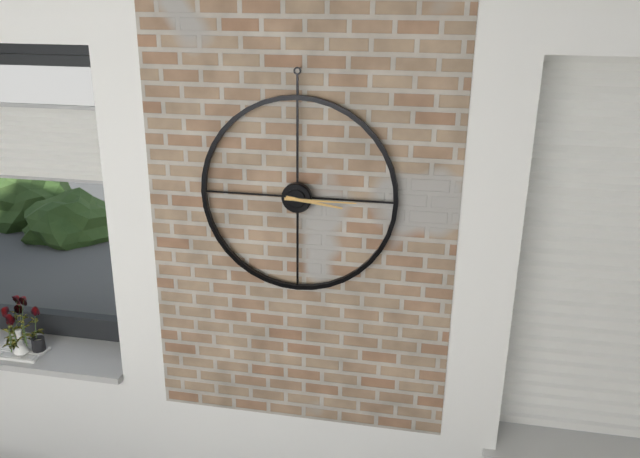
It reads h=3 m=15
